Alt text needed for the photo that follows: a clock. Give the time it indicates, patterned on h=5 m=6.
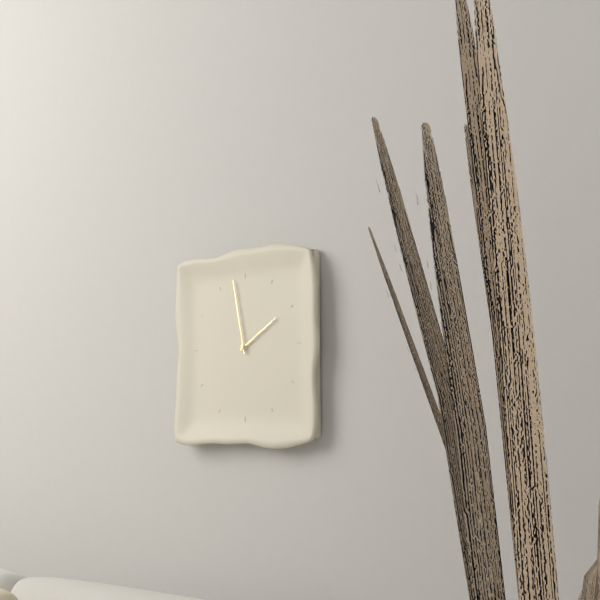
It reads h=1 m=58
